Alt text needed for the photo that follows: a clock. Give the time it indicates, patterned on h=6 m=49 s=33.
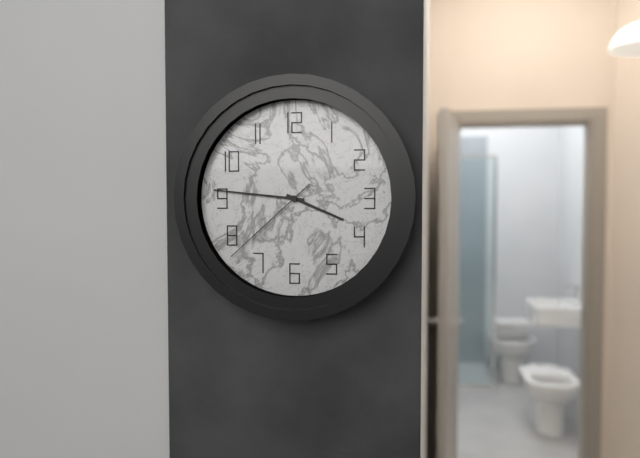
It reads h=3 m=46 s=38
